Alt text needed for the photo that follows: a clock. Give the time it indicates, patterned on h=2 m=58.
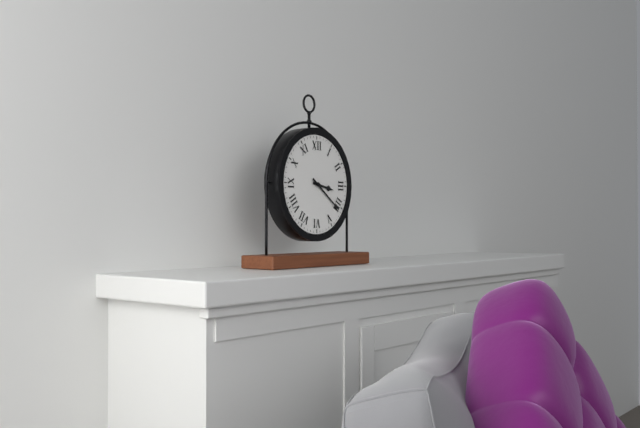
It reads h=3 m=21
